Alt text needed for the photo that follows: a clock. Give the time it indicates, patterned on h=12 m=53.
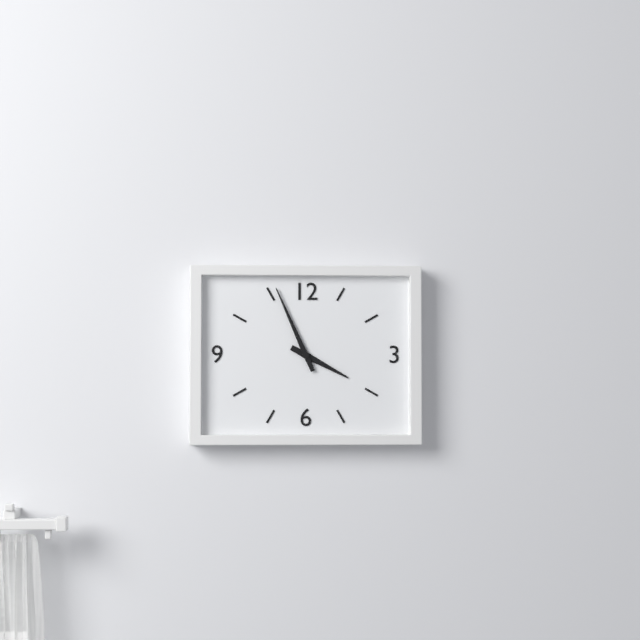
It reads h=3 m=56
